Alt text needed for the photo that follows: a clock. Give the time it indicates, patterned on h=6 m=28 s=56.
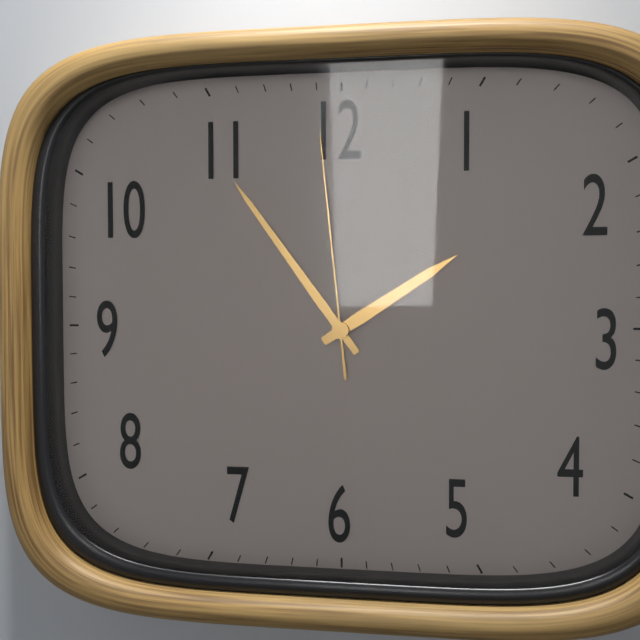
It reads h=1 m=54 s=59
